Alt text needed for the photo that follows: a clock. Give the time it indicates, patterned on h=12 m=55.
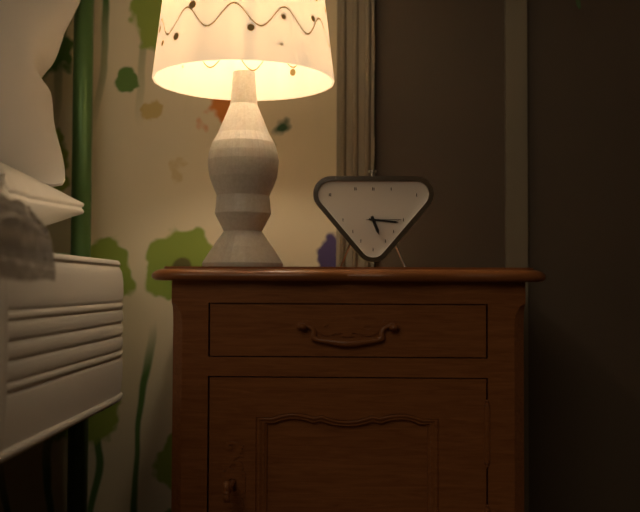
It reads h=5 m=16
